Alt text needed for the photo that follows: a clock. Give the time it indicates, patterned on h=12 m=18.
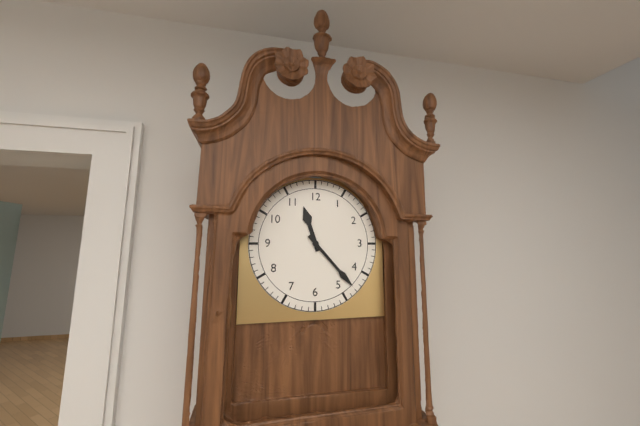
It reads h=11 m=23
